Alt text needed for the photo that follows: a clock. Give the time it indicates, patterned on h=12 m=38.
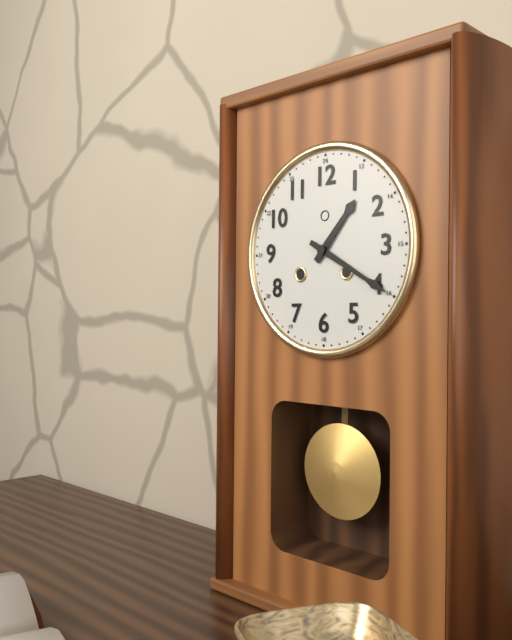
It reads h=1 m=20
